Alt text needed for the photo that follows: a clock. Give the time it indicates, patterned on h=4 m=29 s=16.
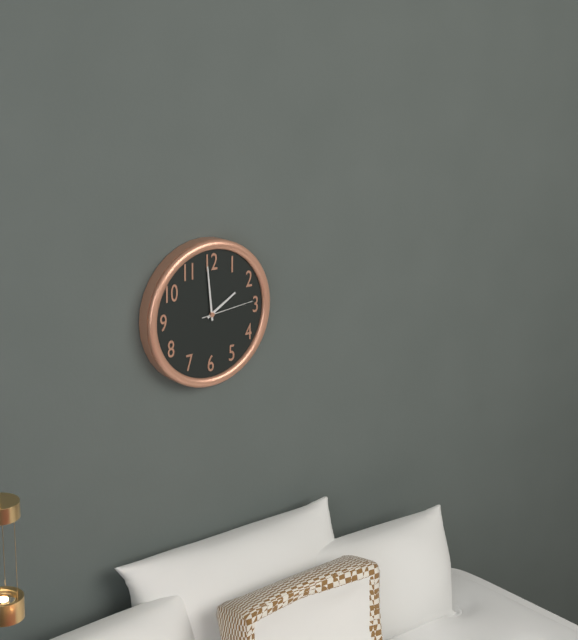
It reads h=1 m=59 s=14
